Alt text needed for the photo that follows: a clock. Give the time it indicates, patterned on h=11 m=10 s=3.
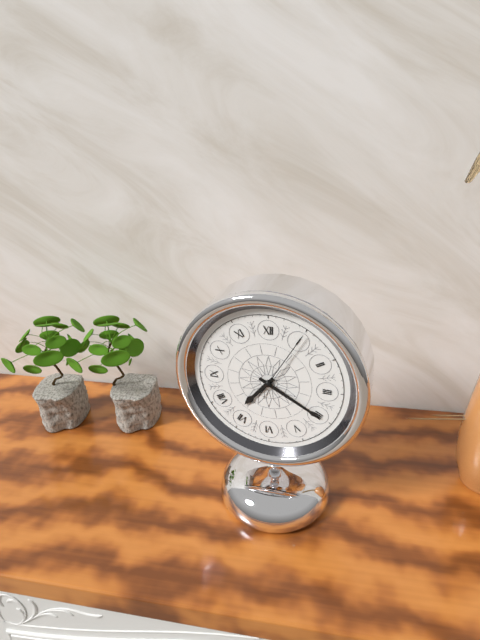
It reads h=7 m=20 s=5
